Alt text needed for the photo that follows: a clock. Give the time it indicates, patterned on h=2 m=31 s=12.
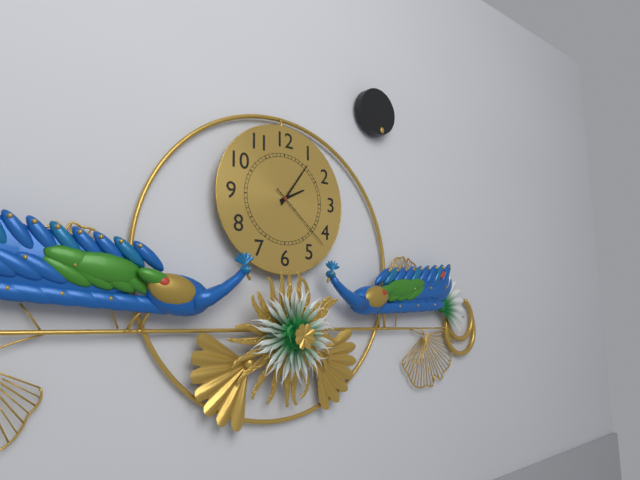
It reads h=2 m=6 s=22
